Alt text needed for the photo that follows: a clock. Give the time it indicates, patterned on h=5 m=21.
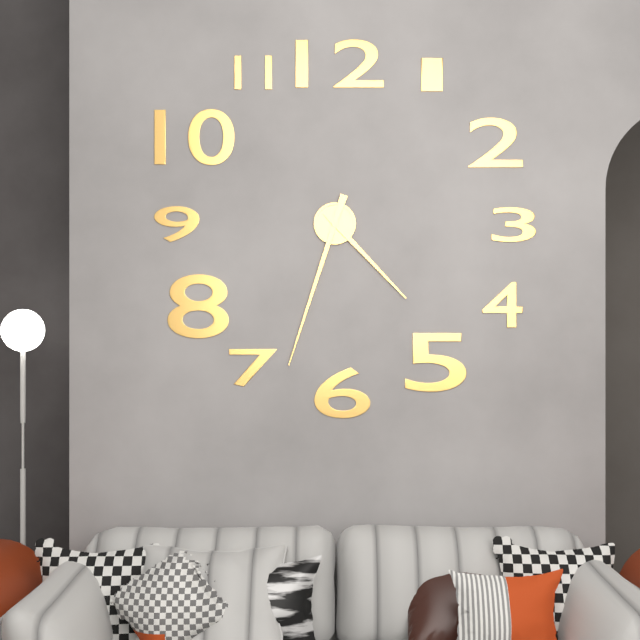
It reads h=4 m=33
